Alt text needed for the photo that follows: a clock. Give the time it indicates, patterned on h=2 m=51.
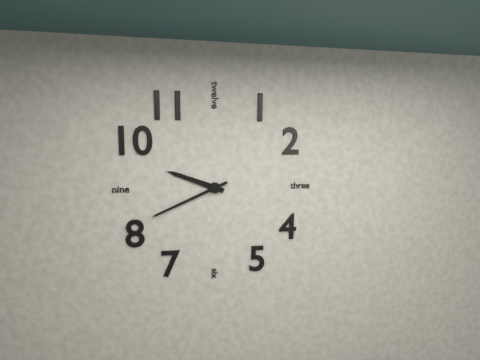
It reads h=9 m=41
